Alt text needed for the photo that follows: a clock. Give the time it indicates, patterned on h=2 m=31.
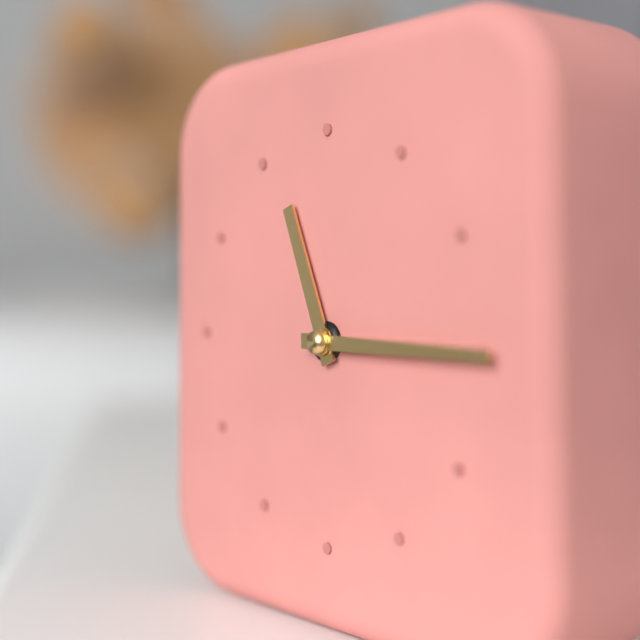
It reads h=11 m=15
